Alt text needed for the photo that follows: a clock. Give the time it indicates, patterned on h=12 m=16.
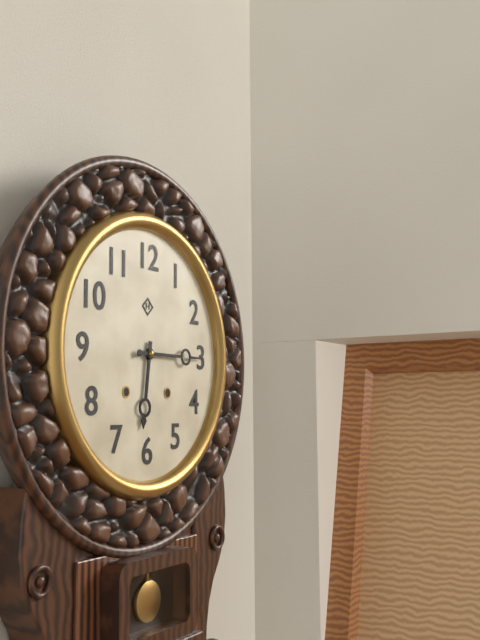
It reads h=6 m=15
